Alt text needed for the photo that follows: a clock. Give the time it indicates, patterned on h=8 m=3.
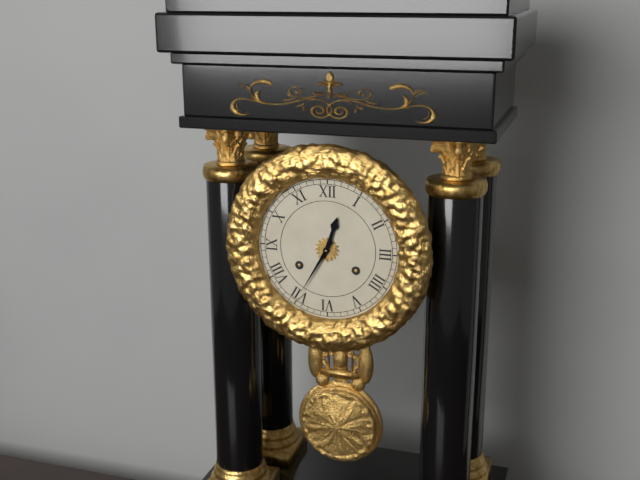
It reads h=12 m=35
